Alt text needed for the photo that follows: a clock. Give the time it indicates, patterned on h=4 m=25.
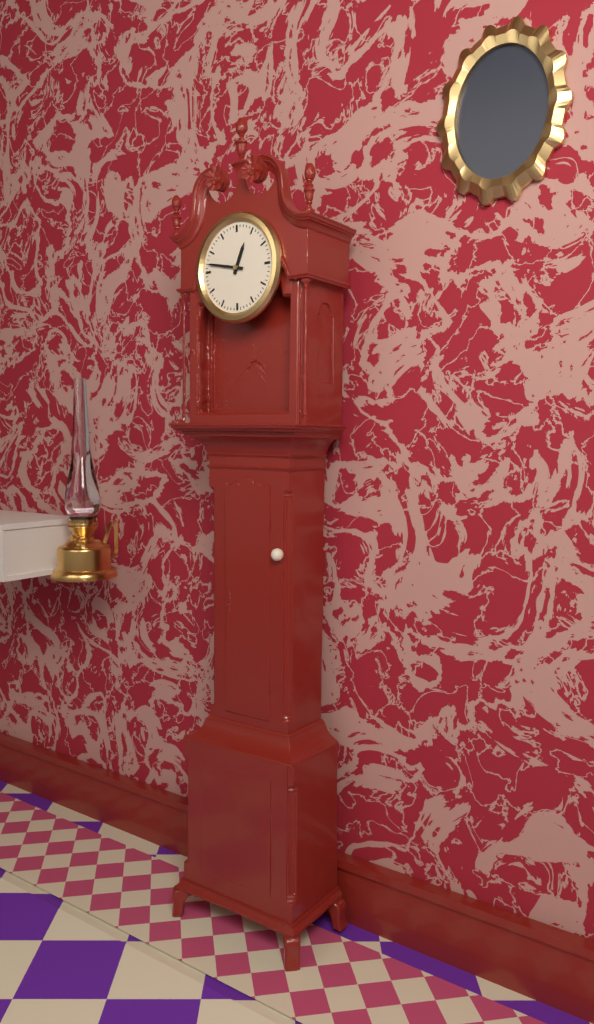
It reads h=12 m=47
